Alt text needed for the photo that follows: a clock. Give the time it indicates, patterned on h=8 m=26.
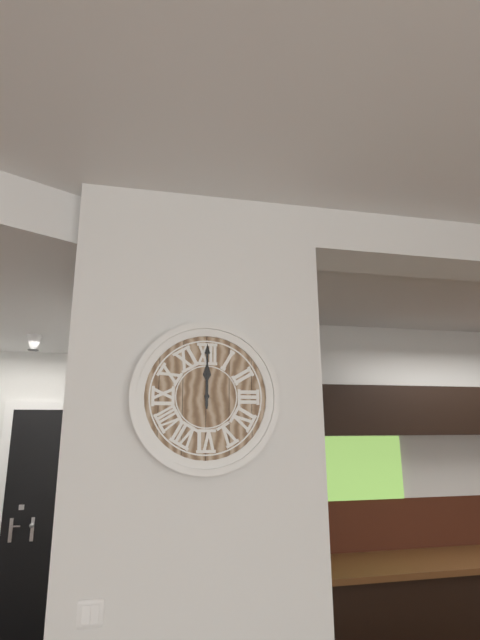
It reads h=12 m=0
